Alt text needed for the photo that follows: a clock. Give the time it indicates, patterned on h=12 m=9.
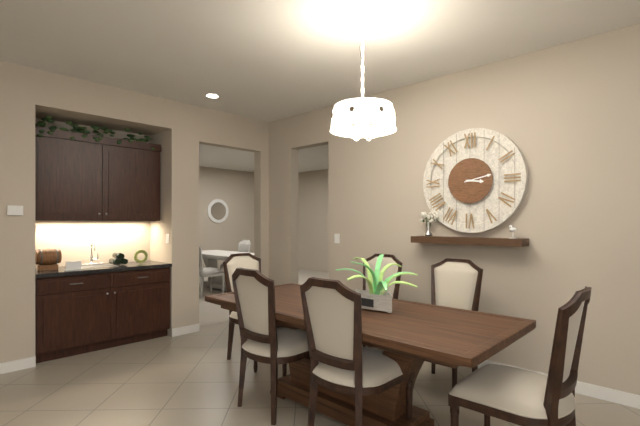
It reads h=3 m=13
